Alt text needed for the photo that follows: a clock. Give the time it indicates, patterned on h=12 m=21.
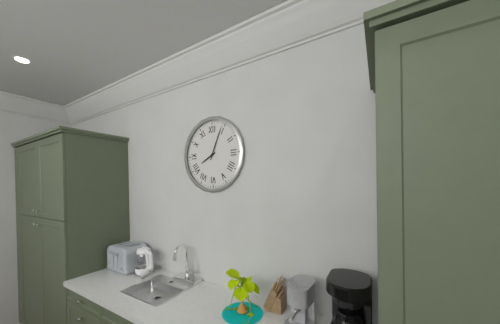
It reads h=8 m=4
